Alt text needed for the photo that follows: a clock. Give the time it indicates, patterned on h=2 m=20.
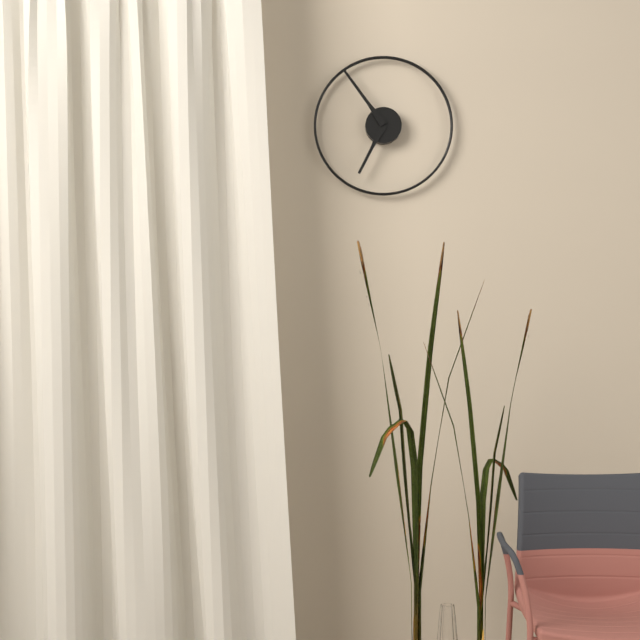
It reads h=6 m=54
